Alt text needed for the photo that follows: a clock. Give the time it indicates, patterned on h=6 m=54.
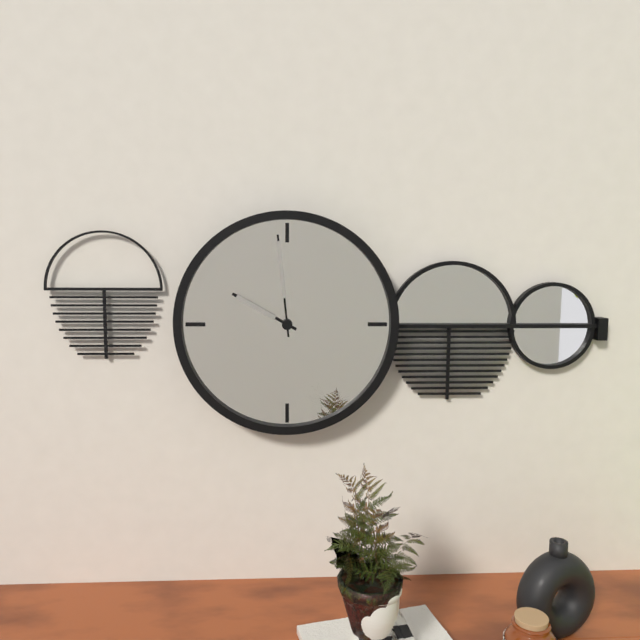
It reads h=9 m=59
